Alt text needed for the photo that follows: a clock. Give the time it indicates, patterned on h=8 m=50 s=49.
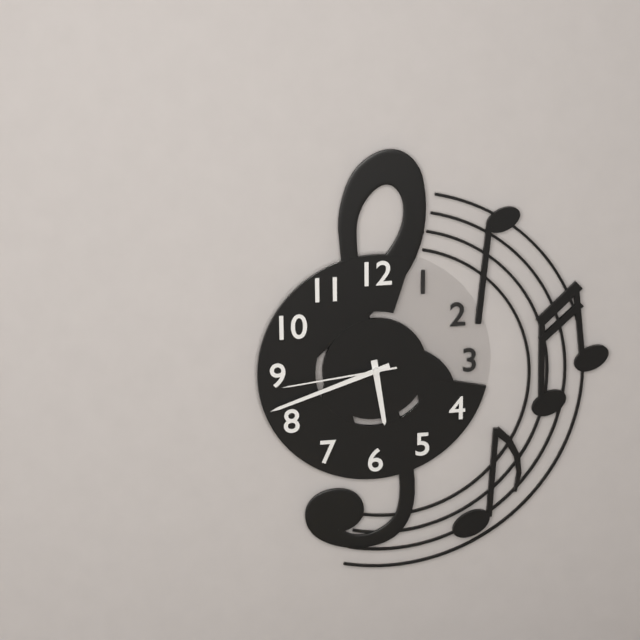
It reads h=5 m=42 s=44
